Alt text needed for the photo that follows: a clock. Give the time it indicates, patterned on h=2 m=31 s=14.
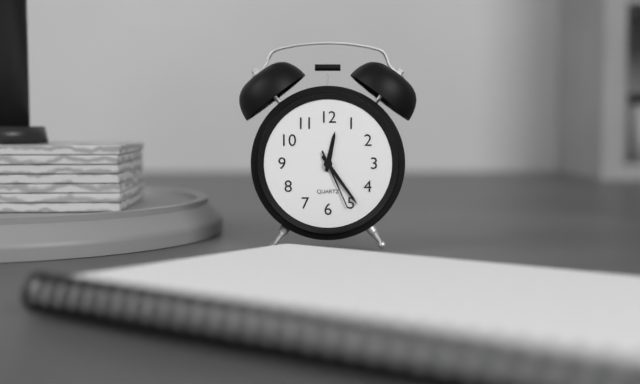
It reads h=12 m=24 s=26
